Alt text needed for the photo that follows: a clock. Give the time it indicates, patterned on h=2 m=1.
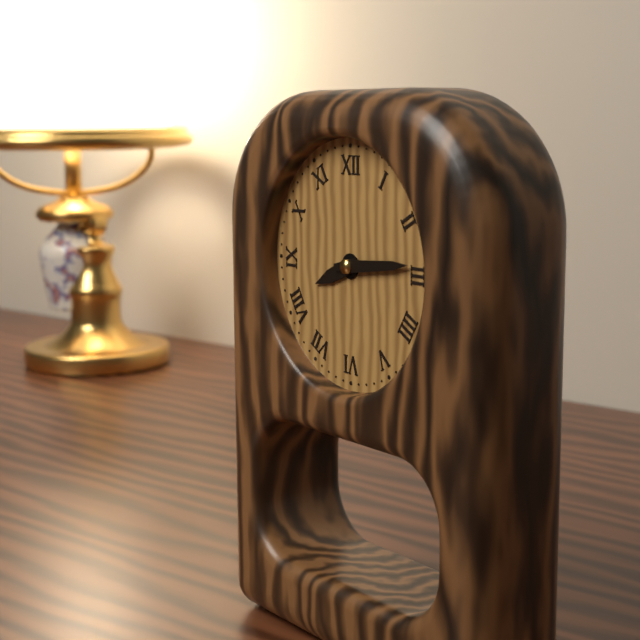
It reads h=8 m=14
